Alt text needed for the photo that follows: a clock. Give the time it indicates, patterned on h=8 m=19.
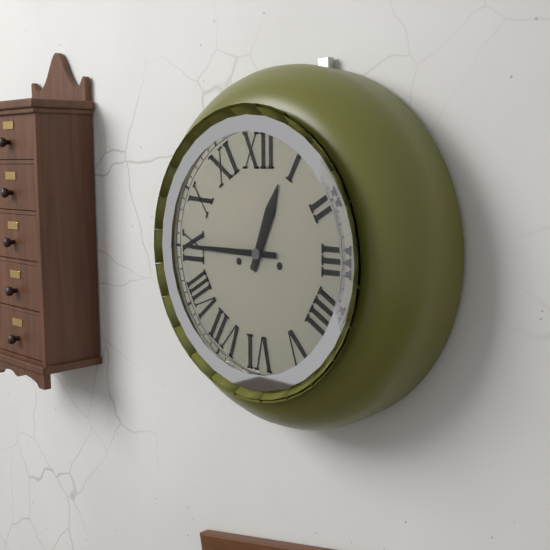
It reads h=12 m=45
